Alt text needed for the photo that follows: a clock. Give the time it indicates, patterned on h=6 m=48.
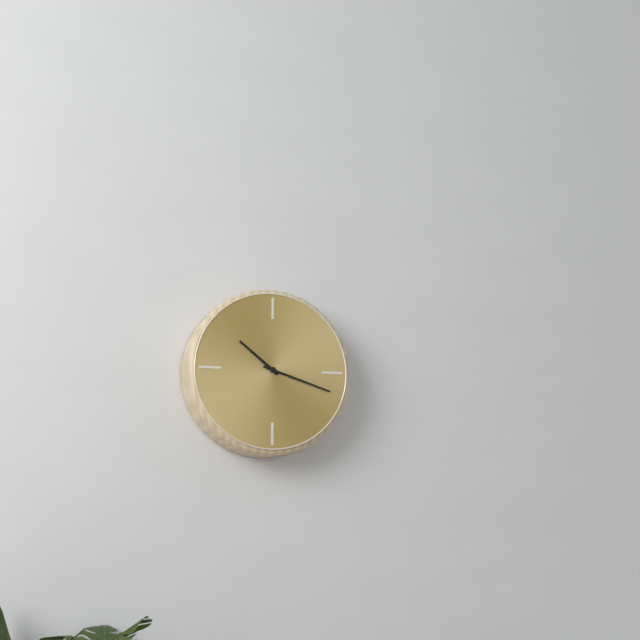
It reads h=10 m=18
